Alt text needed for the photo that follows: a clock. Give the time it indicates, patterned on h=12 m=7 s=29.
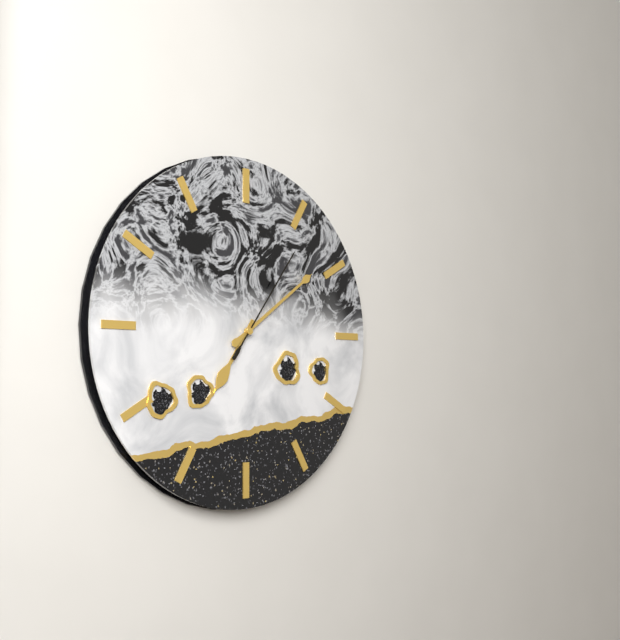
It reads h=7 m=9 s=6
